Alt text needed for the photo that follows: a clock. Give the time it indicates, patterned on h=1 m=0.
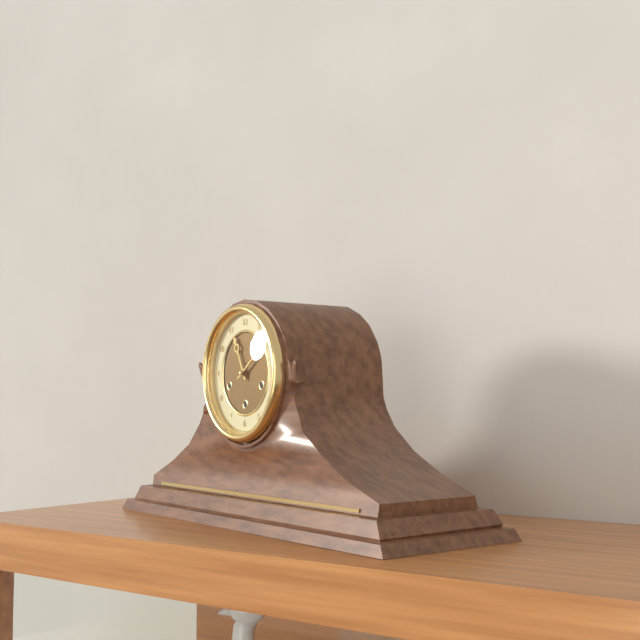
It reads h=11 m=9
